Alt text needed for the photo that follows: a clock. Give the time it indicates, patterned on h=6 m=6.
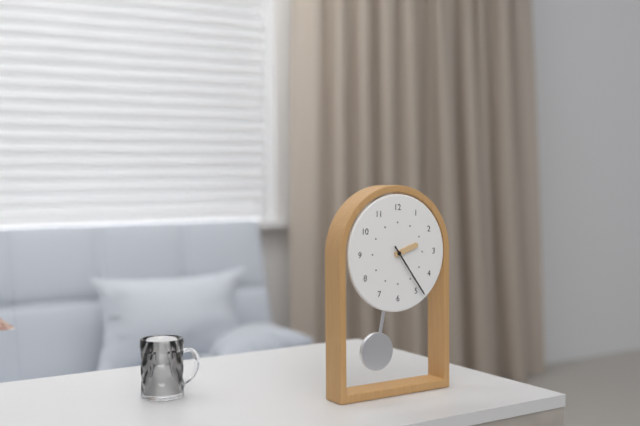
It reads h=2 m=24
